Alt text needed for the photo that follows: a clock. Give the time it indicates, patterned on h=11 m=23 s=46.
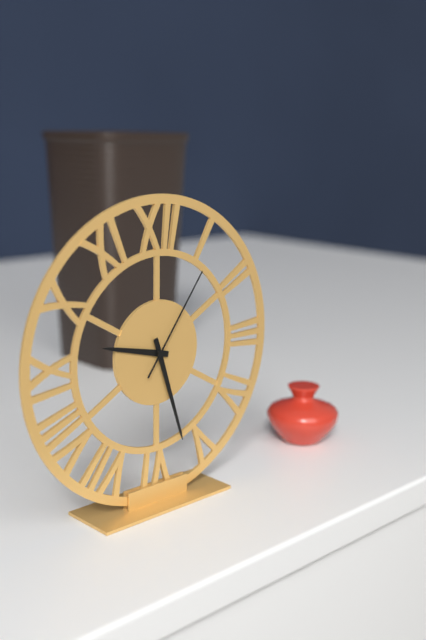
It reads h=9 m=27 s=6
